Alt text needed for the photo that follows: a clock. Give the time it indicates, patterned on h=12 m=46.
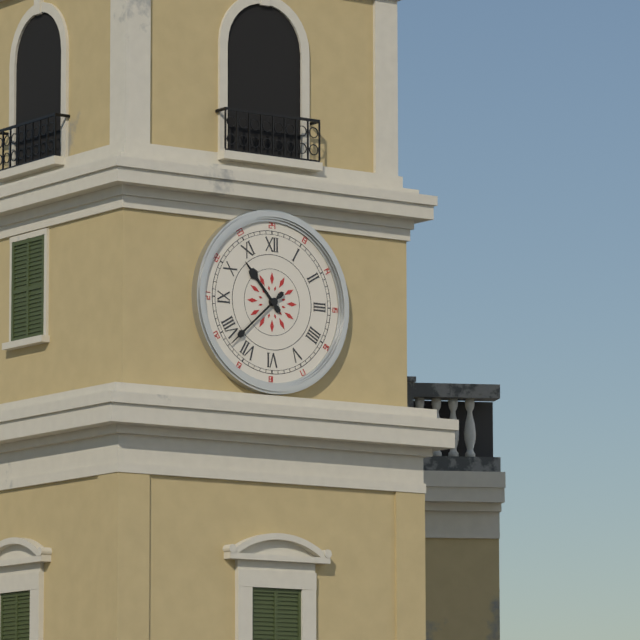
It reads h=10 m=38
